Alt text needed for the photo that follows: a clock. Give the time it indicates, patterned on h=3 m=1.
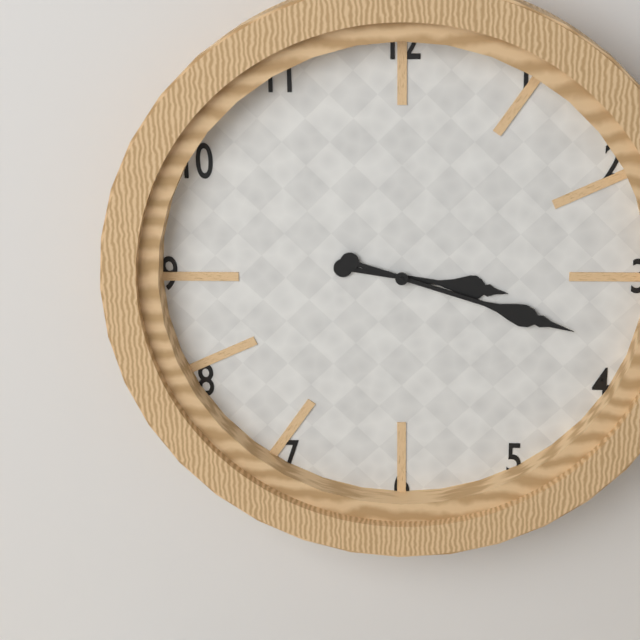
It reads h=3 m=18
